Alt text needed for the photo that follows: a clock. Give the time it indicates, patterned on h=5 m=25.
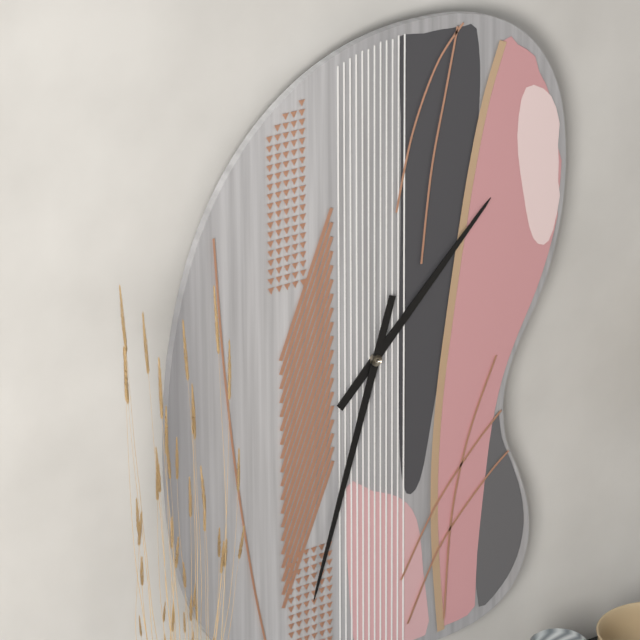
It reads h=1 m=33
